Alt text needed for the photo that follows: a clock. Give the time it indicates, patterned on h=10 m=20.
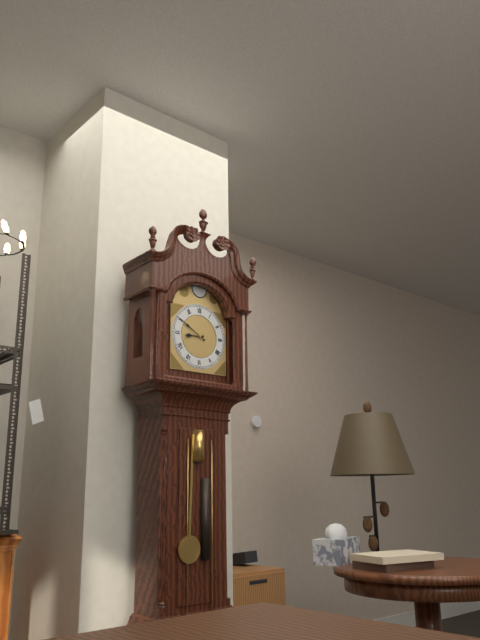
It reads h=8 m=50
